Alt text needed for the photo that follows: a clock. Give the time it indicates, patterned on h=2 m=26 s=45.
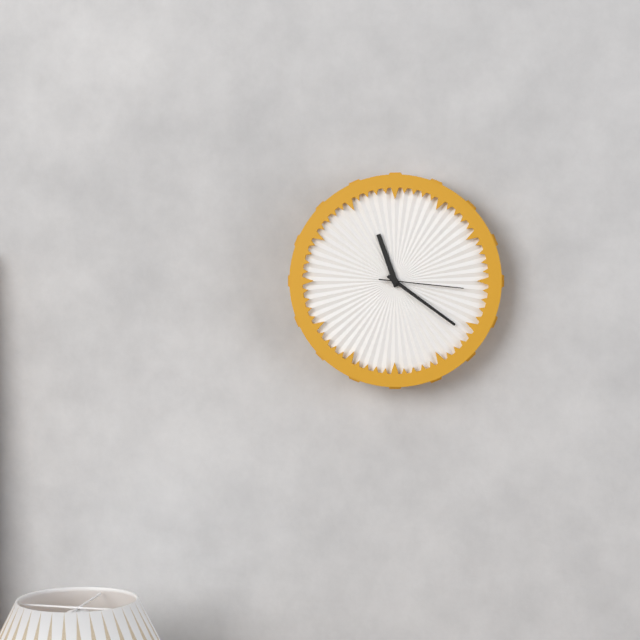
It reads h=11 m=21 s=16
